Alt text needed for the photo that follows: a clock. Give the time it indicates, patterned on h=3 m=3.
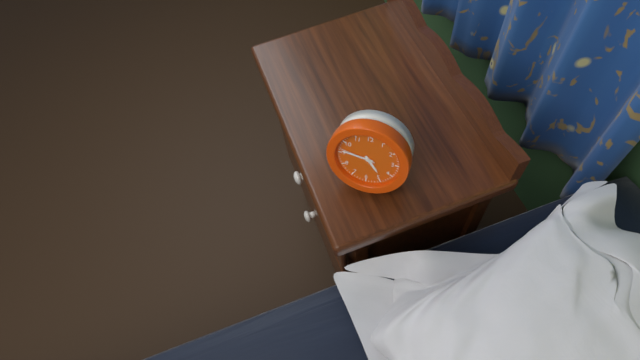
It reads h=4 m=46
